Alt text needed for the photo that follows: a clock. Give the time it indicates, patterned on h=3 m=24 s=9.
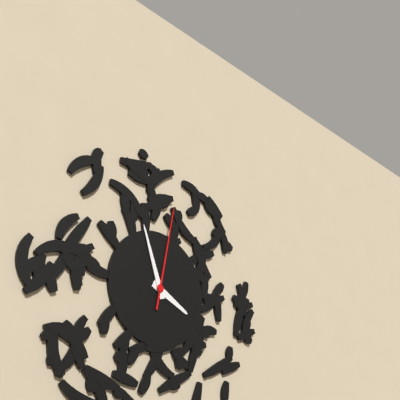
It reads h=3 m=57 s=2
